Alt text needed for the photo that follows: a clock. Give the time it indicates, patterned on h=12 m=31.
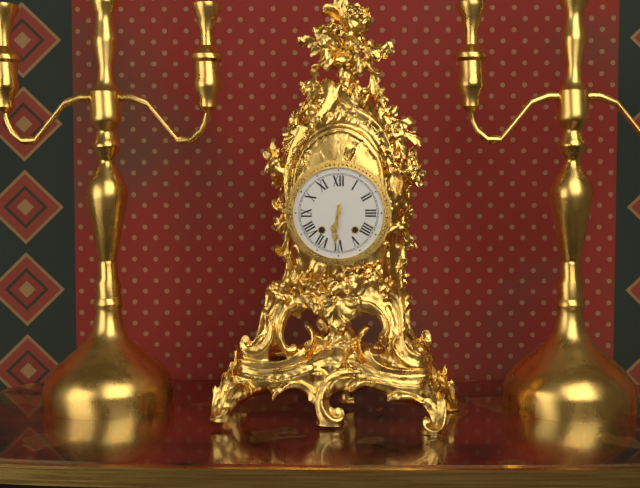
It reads h=6 m=31
